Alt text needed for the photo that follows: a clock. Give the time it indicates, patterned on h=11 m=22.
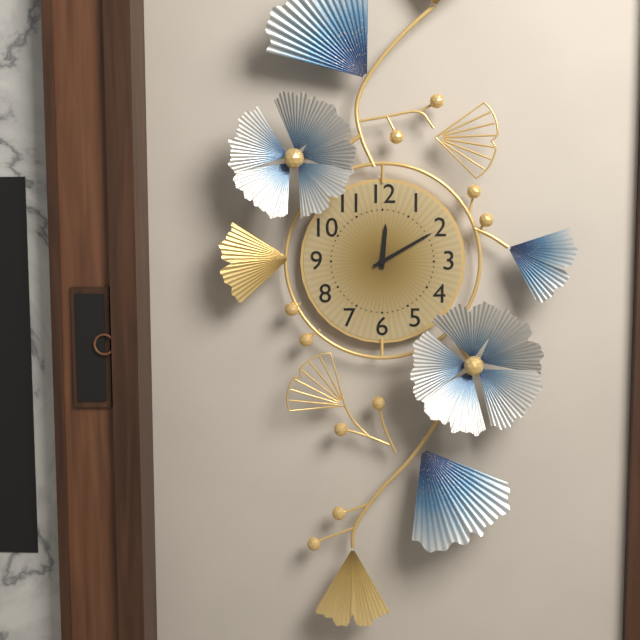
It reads h=12 m=10
